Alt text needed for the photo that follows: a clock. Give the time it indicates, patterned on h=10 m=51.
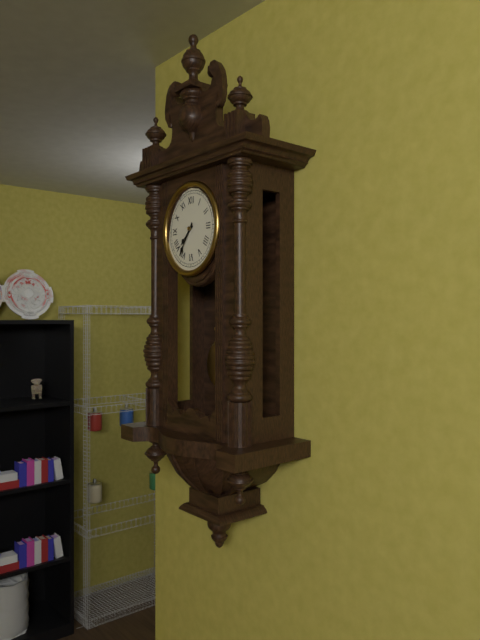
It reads h=7 m=36
